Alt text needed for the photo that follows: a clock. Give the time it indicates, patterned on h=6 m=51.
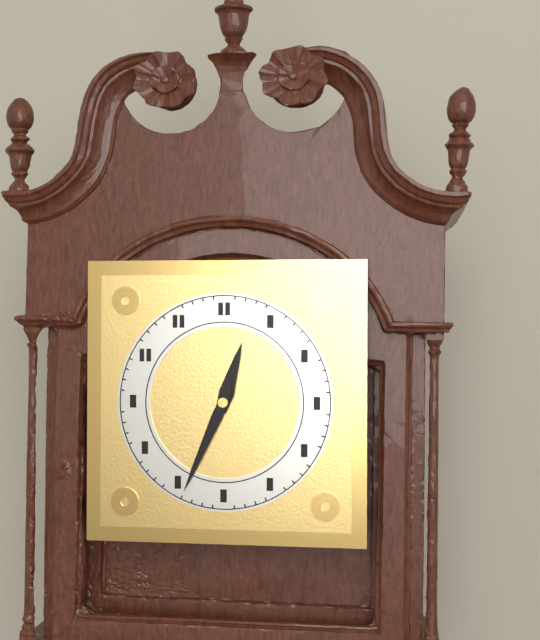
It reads h=12 m=34
